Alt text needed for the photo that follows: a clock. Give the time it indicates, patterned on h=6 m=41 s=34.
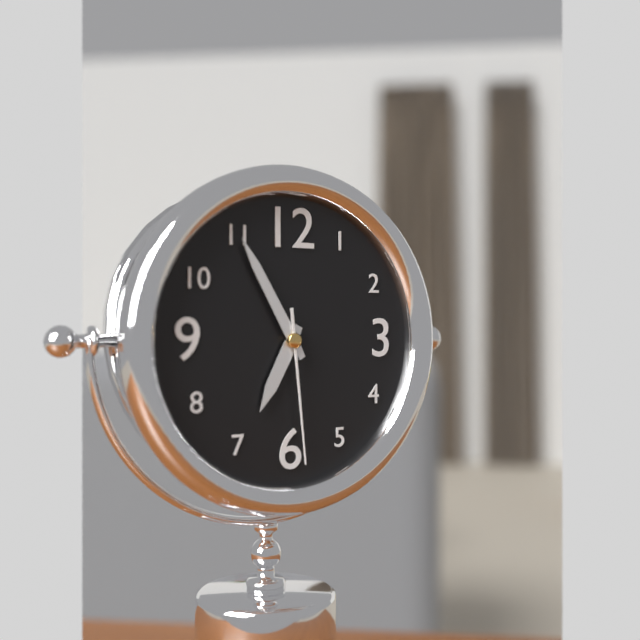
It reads h=6 m=55 s=29
